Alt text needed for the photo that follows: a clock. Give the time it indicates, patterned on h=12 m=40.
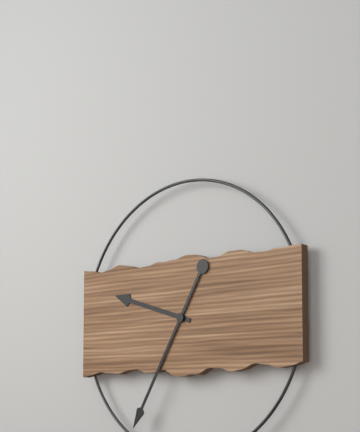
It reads h=9 m=35
